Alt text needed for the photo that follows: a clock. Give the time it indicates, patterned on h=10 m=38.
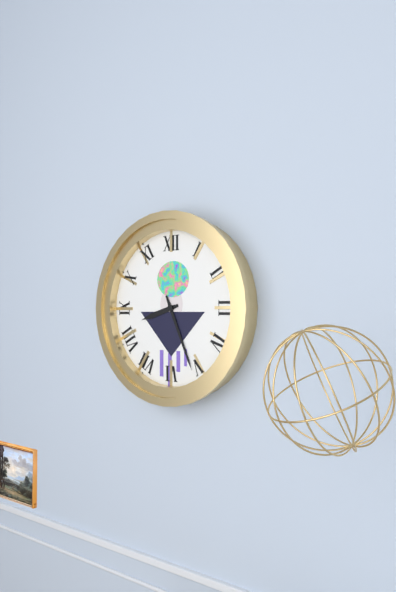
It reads h=8 m=26
